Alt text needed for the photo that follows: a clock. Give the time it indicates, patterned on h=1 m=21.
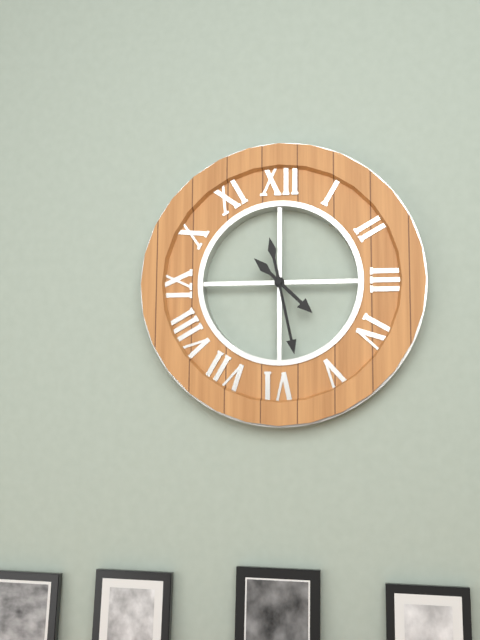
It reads h=4 m=28
